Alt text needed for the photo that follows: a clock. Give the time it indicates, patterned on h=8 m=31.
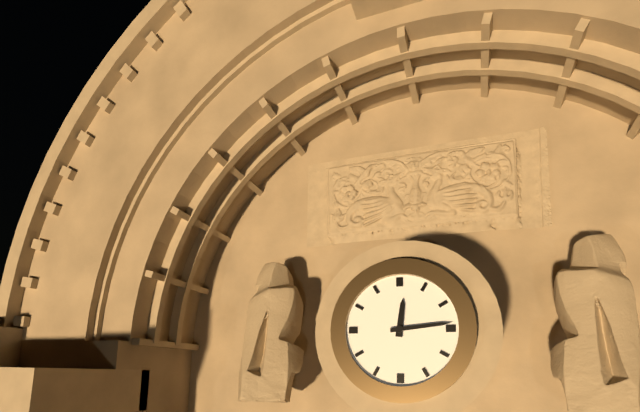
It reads h=12 m=14
